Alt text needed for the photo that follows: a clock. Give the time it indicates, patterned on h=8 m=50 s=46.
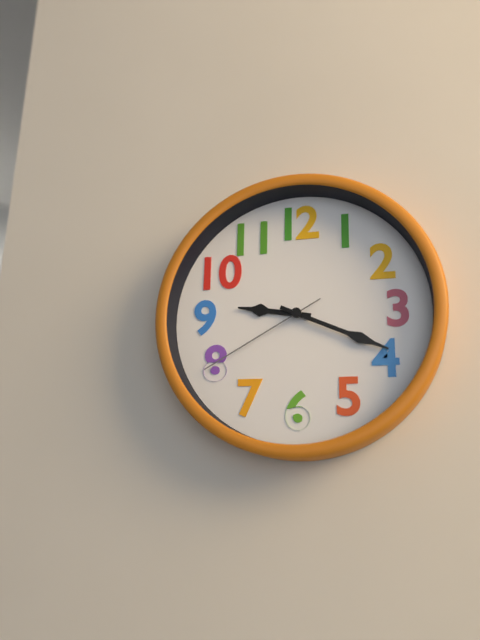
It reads h=9 m=19 s=40
